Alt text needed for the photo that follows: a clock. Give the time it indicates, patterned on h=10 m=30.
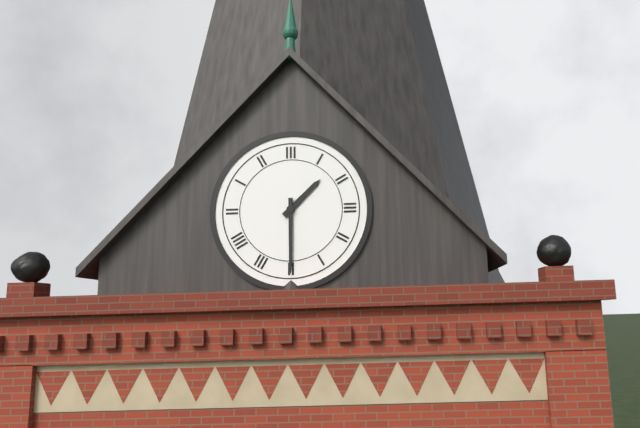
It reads h=1 m=30
